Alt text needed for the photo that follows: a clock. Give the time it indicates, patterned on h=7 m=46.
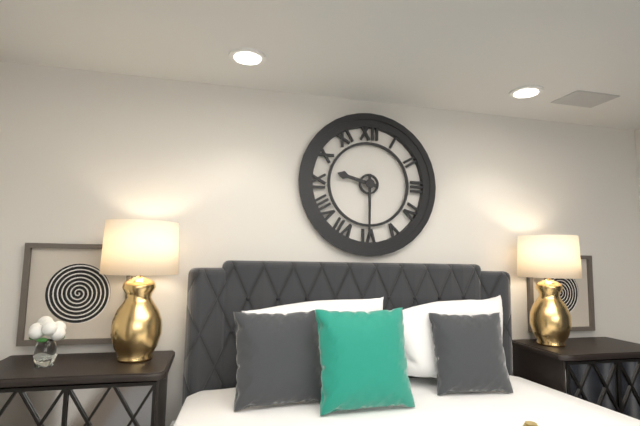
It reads h=9 m=30
